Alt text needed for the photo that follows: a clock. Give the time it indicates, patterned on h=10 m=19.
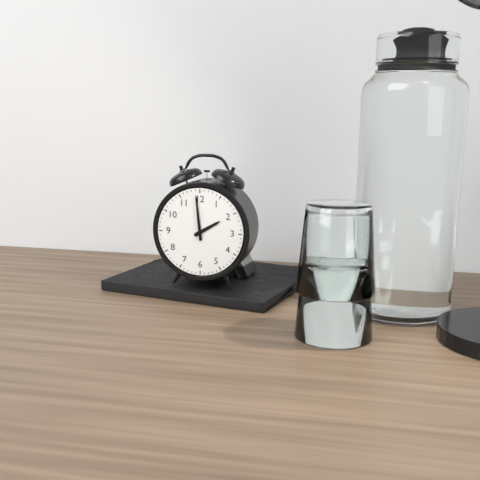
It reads h=1 m=59
